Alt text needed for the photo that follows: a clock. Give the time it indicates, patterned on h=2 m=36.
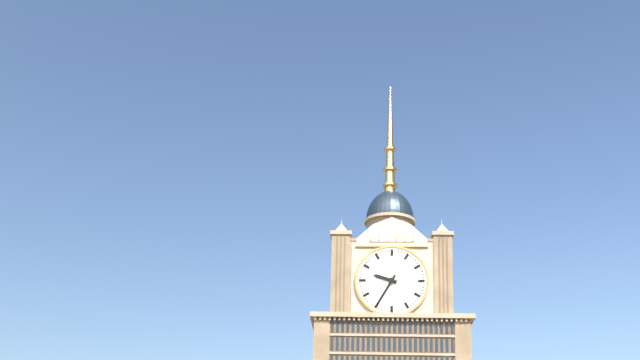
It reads h=9 m=35
